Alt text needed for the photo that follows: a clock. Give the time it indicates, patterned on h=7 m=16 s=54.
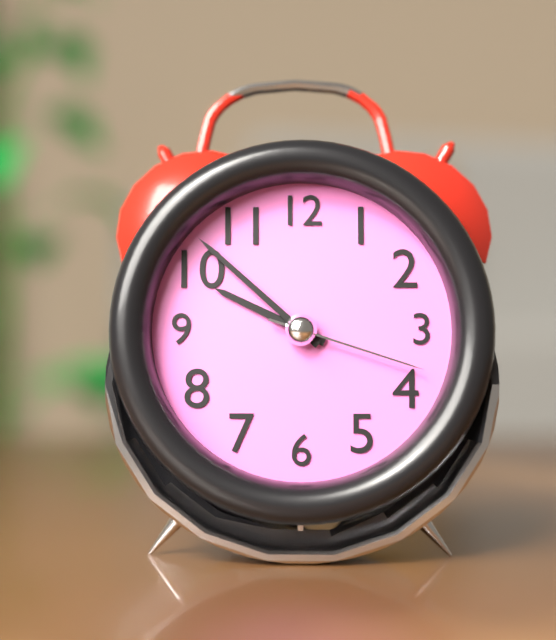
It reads h=9 m=52 s=18
